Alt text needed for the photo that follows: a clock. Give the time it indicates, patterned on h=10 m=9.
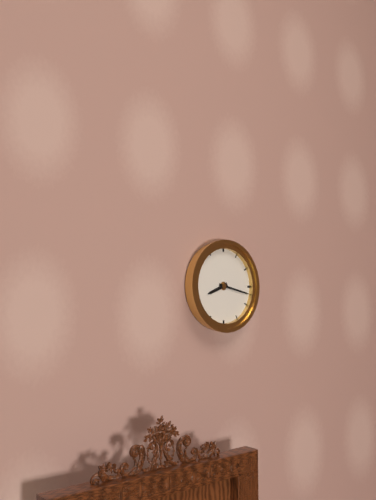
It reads h=8 m=17
